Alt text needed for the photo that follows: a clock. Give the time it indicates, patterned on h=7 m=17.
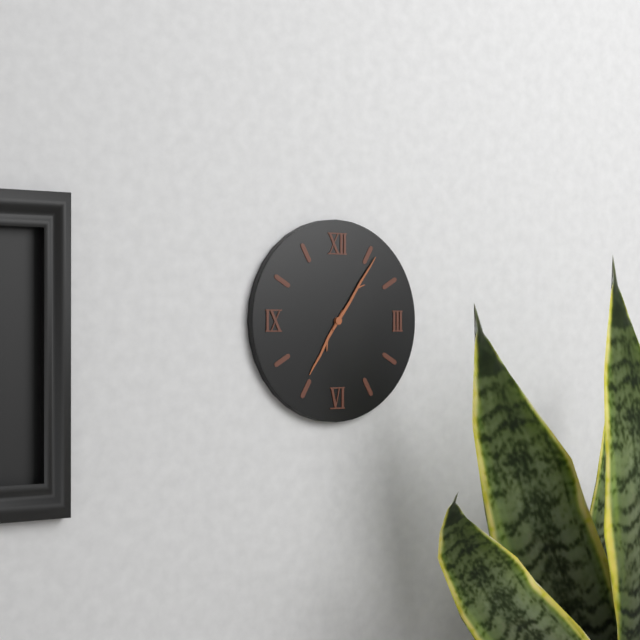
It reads h=7 m=6
